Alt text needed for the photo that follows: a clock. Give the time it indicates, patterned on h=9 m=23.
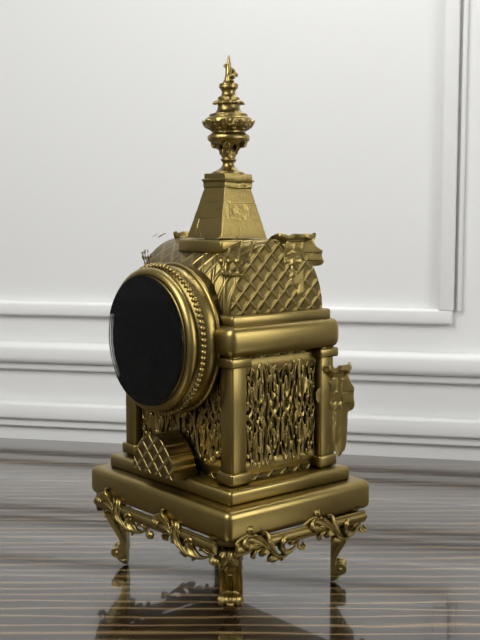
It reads h=6 m=40
